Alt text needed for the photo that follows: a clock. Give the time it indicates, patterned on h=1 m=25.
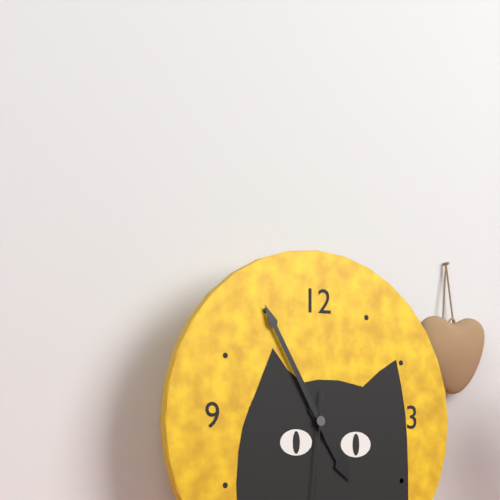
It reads h=4 m=55
